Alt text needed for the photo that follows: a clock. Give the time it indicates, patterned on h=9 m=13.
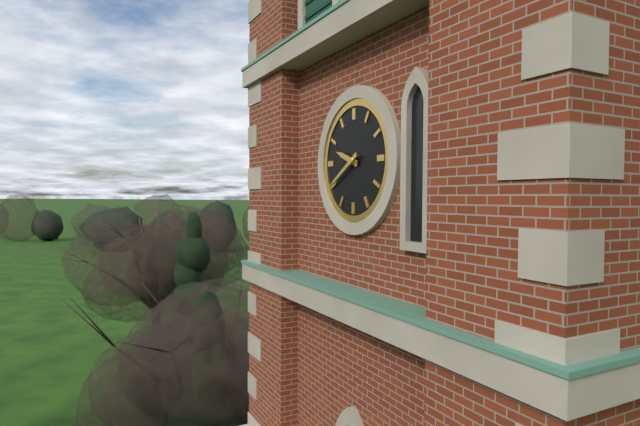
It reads h=9 m=40
